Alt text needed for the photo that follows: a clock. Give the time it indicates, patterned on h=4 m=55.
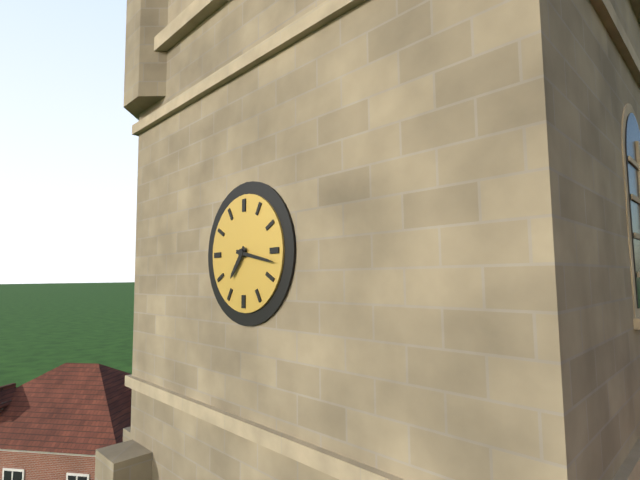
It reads h=7 m=17
